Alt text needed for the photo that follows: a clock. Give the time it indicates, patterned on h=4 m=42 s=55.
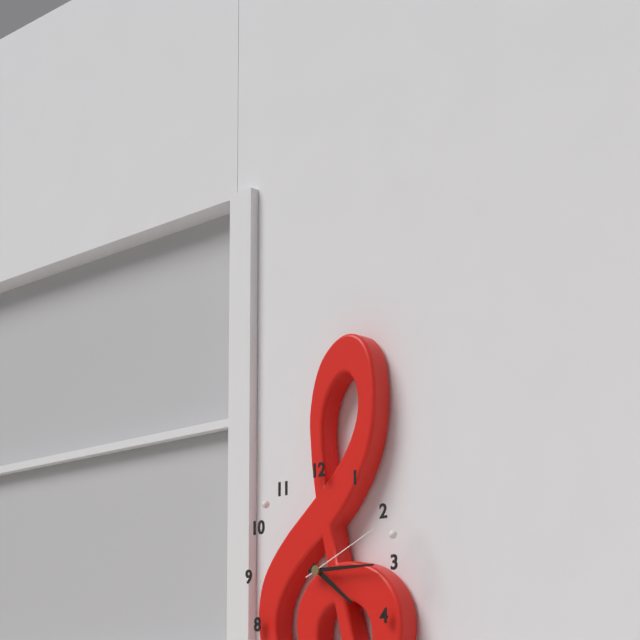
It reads h=4 m=15 s=11
